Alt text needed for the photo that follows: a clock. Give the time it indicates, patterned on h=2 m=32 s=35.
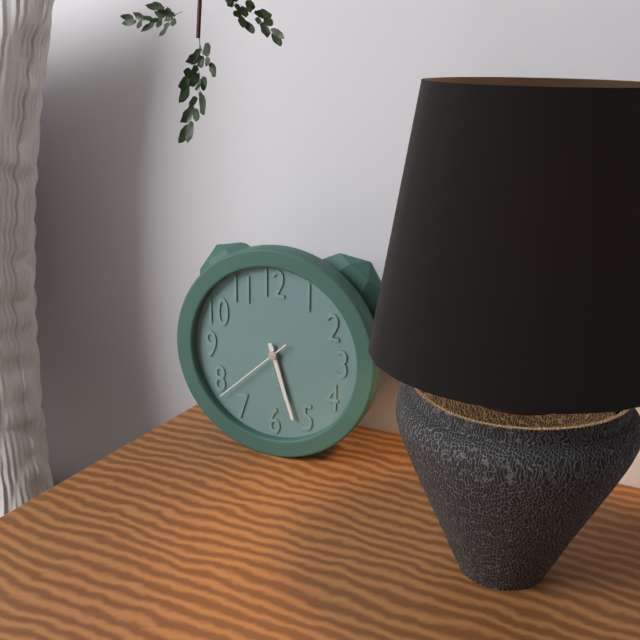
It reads h=5 m=27 s=38
